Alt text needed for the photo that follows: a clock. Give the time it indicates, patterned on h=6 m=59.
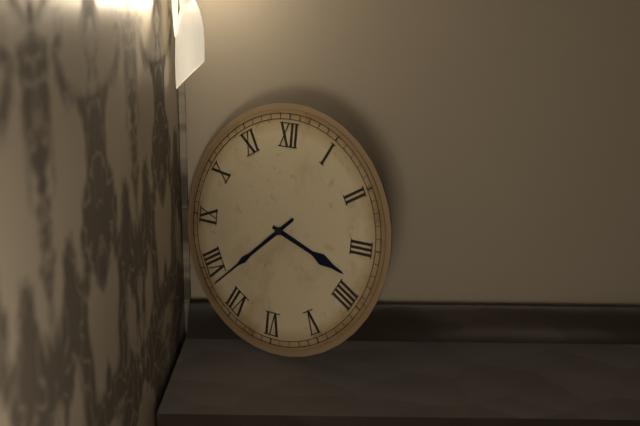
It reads h=3 m=38
